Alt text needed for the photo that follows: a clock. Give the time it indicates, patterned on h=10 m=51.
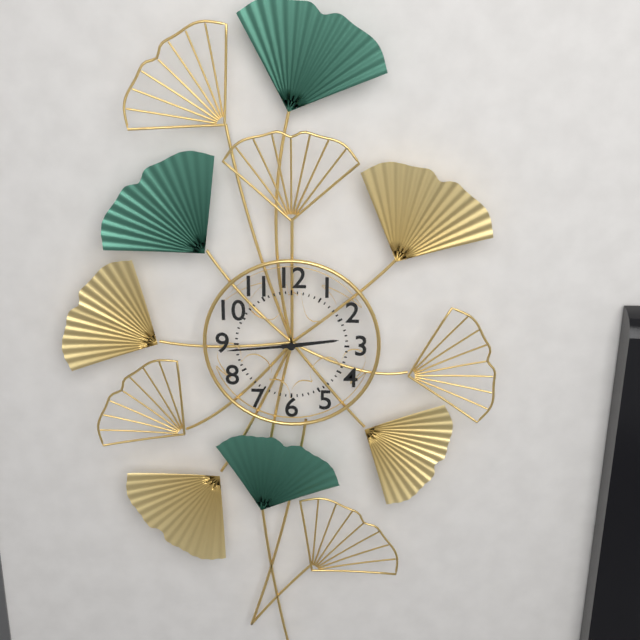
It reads h=2 m=44
